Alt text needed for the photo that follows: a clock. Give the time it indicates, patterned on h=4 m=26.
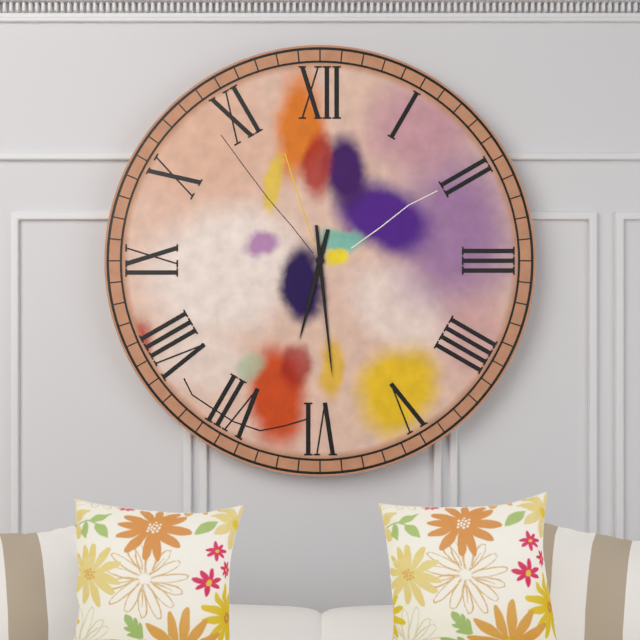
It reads h=6 m=29
